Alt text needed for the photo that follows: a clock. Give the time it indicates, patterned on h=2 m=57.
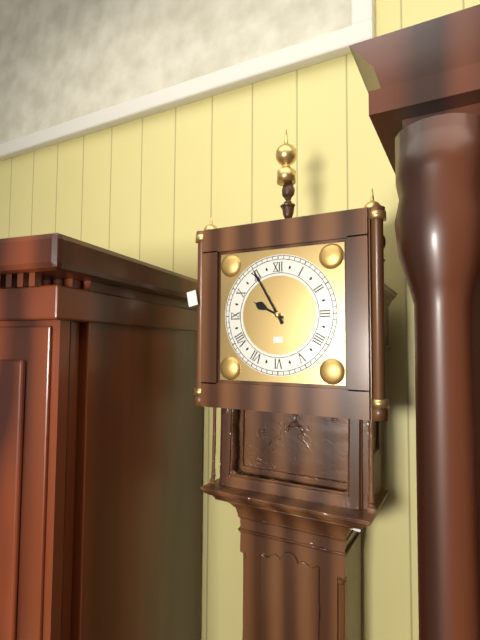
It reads h=9 m=55
